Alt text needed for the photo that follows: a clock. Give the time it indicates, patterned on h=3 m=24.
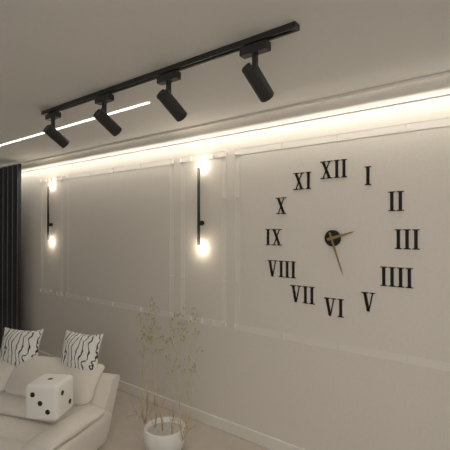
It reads h=2 m=27
